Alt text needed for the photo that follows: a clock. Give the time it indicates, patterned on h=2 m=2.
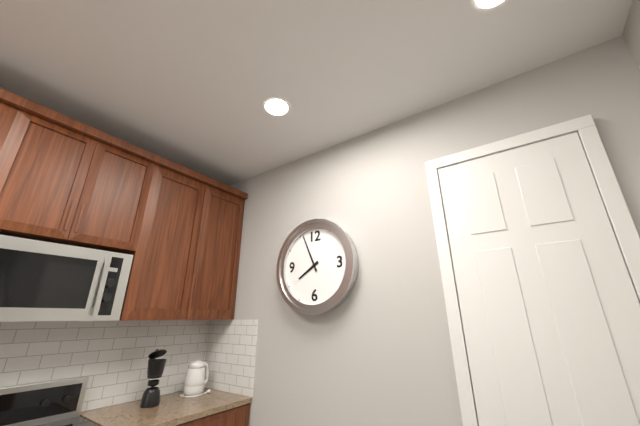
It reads h=7 m=56
